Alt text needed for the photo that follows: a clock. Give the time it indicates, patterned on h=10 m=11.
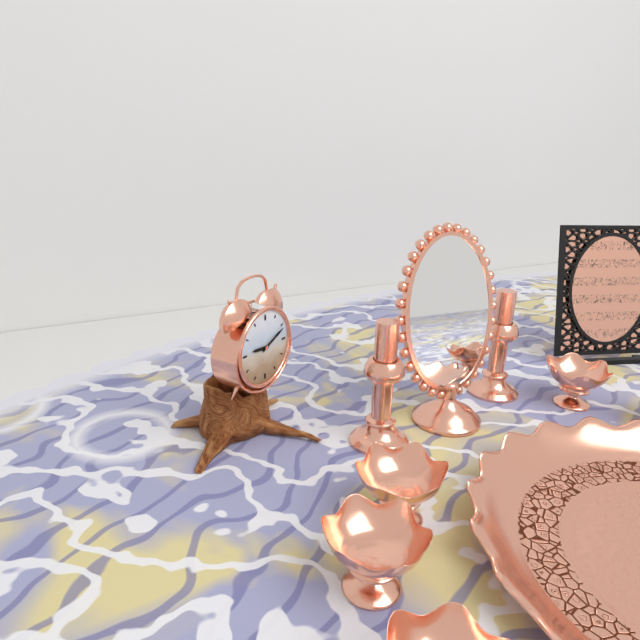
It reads h=9 m=11
